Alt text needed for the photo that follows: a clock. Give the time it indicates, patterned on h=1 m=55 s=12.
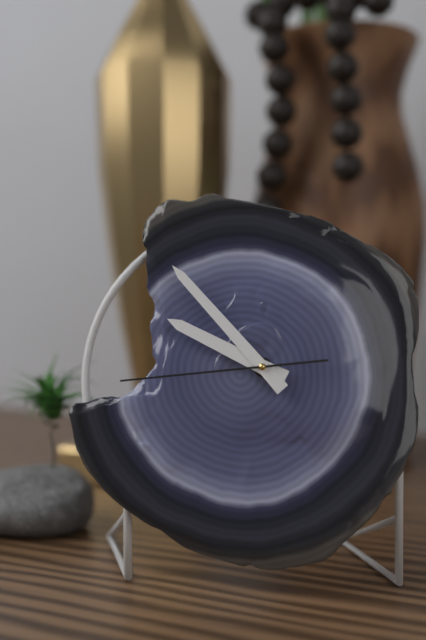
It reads h=9 m=53 s=44
